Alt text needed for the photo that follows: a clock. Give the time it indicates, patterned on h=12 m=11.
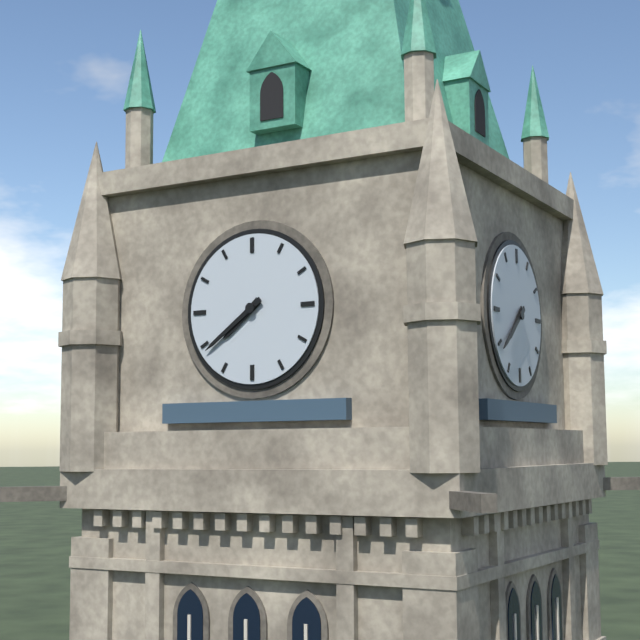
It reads h=7 m=39
